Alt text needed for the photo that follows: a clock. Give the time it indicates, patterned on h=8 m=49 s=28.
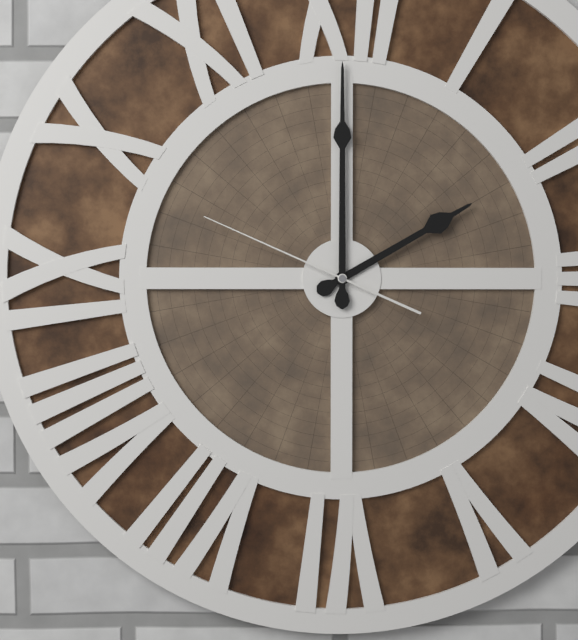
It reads h=2 m=0 s=49
